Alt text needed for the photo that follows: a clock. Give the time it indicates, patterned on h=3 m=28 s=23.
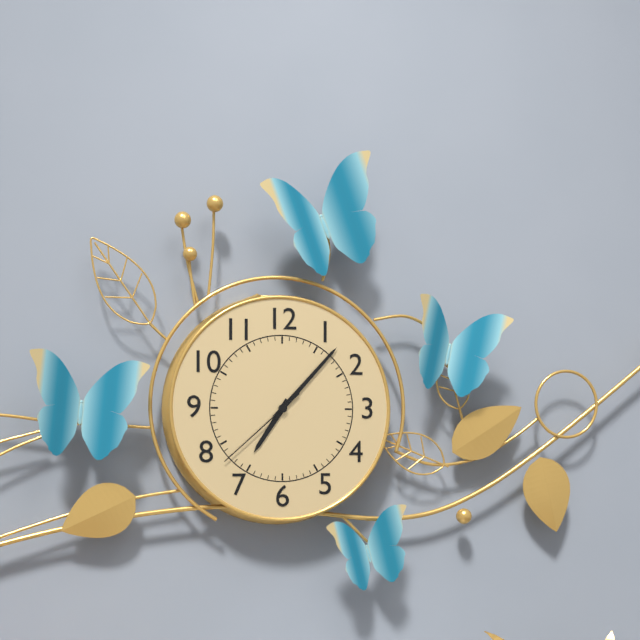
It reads h=7 m=7 s=38
